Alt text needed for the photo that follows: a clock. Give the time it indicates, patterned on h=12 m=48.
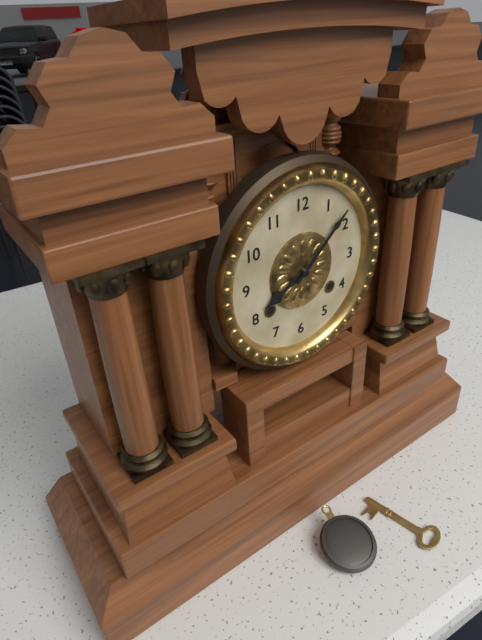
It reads h=8 m=8
